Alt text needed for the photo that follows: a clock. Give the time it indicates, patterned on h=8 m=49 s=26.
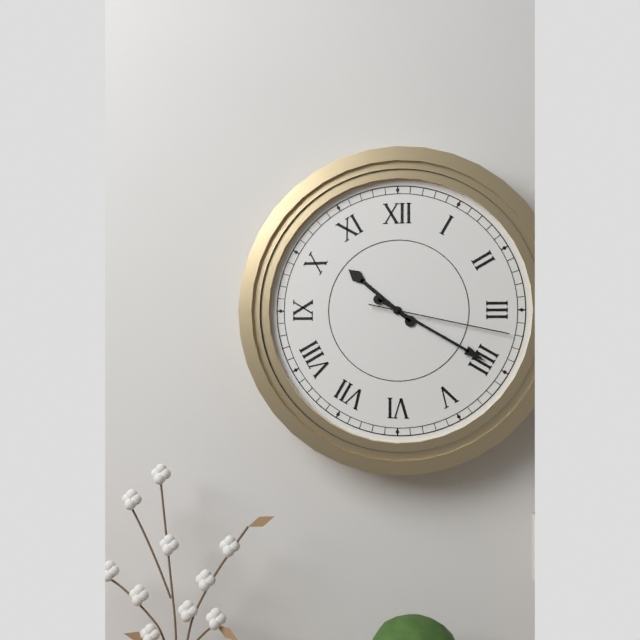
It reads h=10 m=20 s=17
